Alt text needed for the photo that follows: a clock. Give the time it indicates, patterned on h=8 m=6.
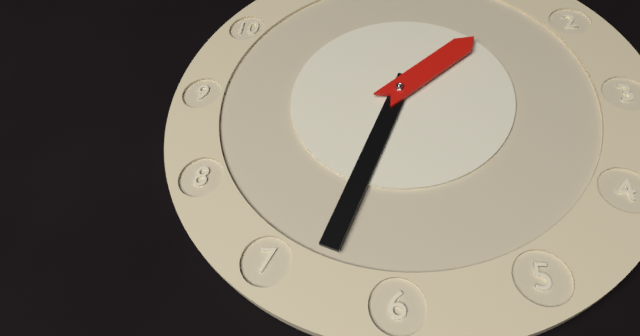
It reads h=1 m=33
